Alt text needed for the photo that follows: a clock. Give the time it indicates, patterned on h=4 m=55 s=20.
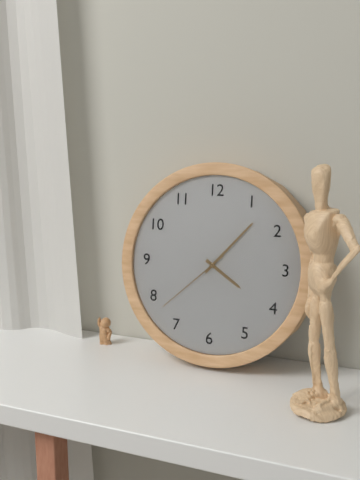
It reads h=4 m=7 s=38
